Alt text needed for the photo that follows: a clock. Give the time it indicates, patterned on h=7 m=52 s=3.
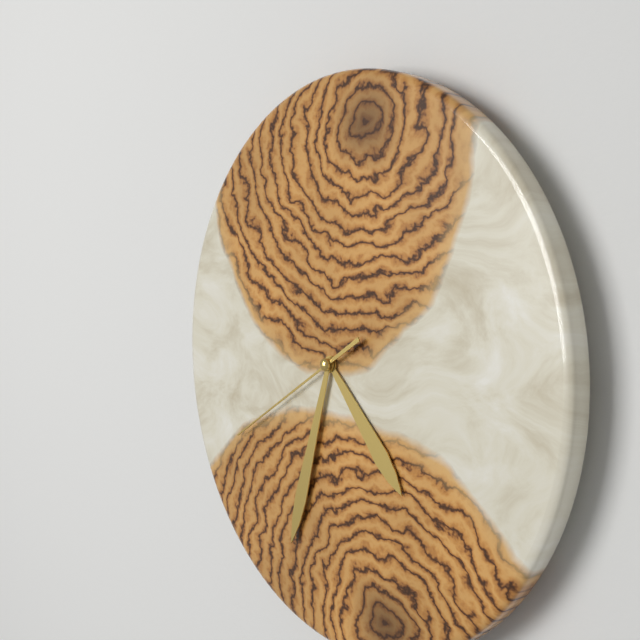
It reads h=4 m=33 s=40
